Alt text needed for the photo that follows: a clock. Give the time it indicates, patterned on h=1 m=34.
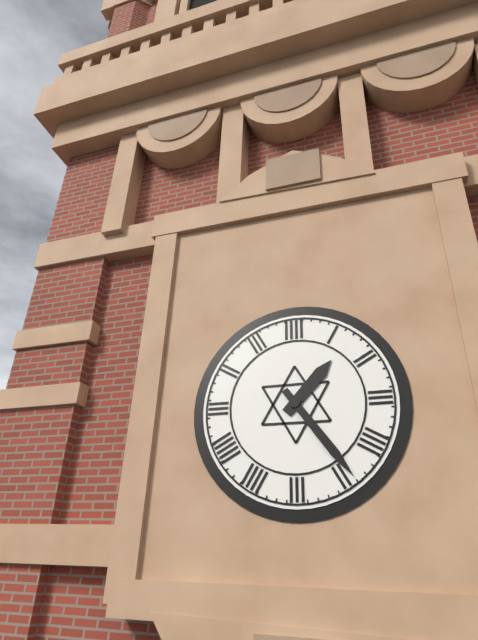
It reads h=1 m=24
